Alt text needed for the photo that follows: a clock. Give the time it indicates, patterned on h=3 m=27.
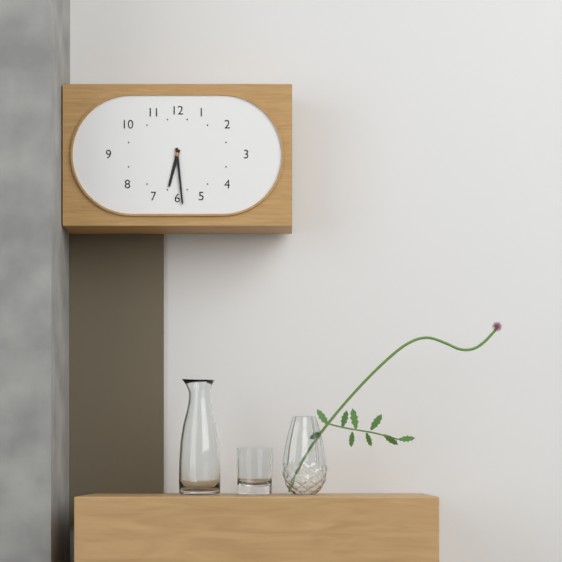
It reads h=6 m=29
